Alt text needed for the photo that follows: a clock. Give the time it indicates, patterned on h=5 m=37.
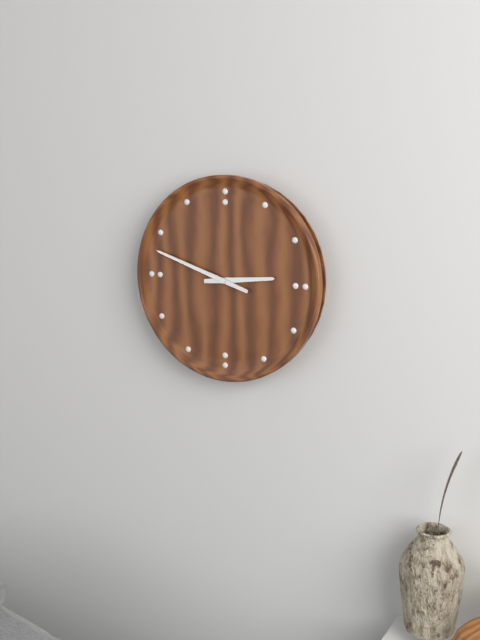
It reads h=2 m=48
